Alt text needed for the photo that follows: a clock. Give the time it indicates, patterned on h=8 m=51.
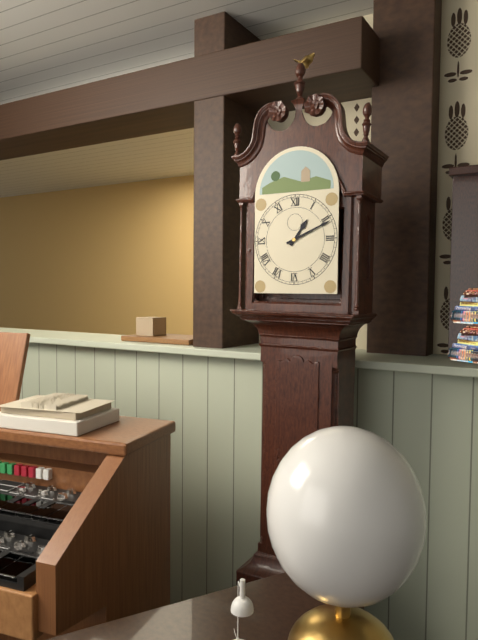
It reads h=1 m=11
